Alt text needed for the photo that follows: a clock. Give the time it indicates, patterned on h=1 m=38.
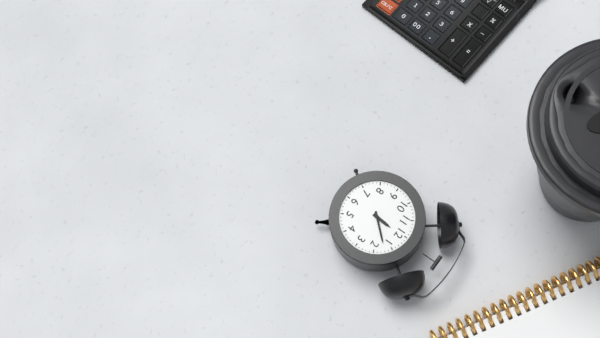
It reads h=12 m=7
